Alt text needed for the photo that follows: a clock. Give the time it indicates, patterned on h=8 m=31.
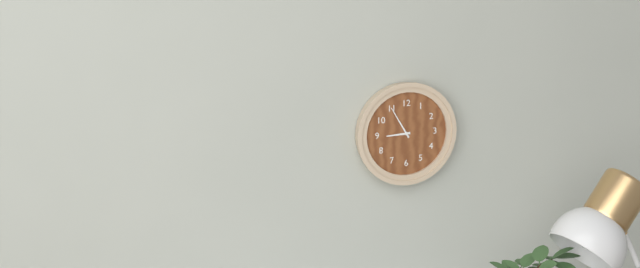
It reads h=8 m=55
